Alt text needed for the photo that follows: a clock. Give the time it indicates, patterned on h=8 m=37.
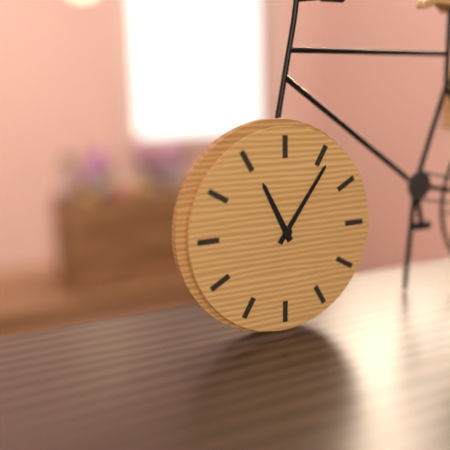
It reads h=11 m=6
